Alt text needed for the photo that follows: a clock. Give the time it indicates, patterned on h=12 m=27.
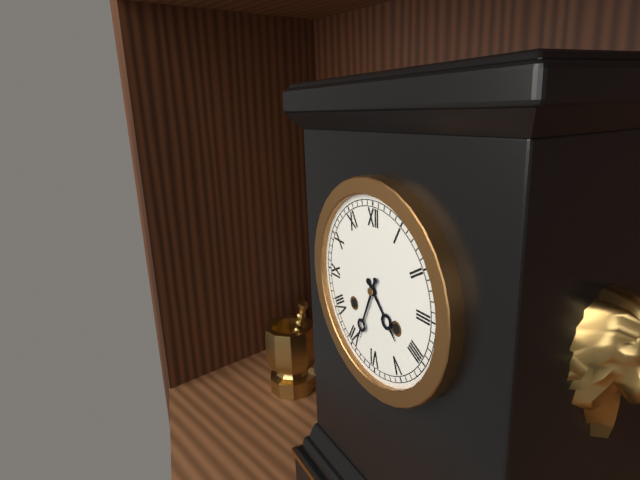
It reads h=4 m=34
